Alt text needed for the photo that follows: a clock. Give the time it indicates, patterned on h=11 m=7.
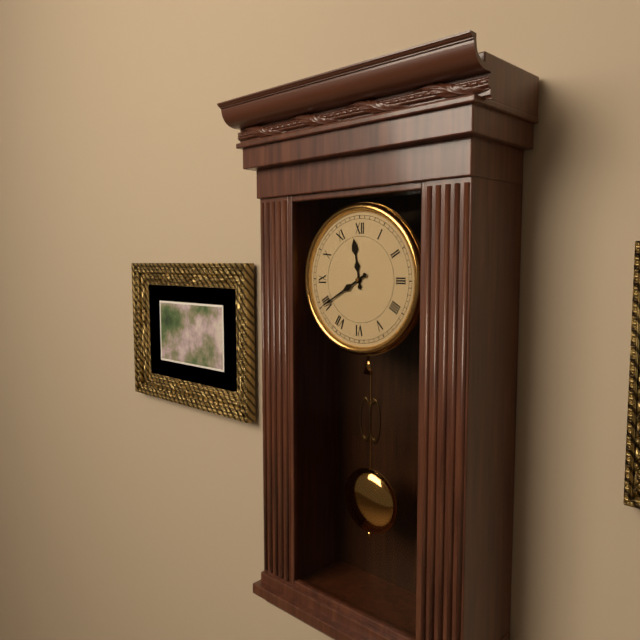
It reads h=11 m=40
